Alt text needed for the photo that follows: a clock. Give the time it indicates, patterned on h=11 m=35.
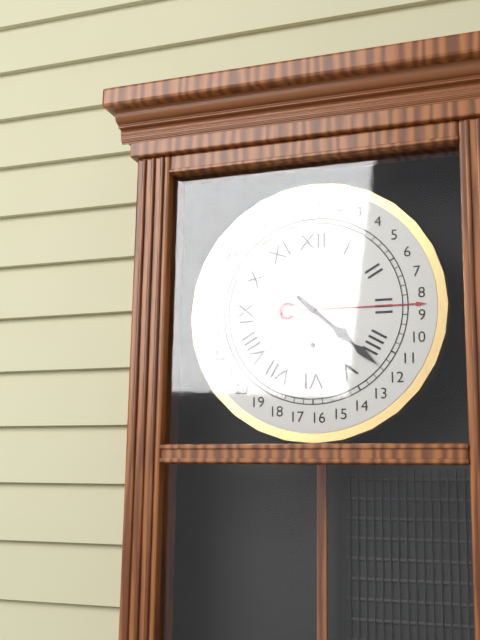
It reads h=4 m=22
